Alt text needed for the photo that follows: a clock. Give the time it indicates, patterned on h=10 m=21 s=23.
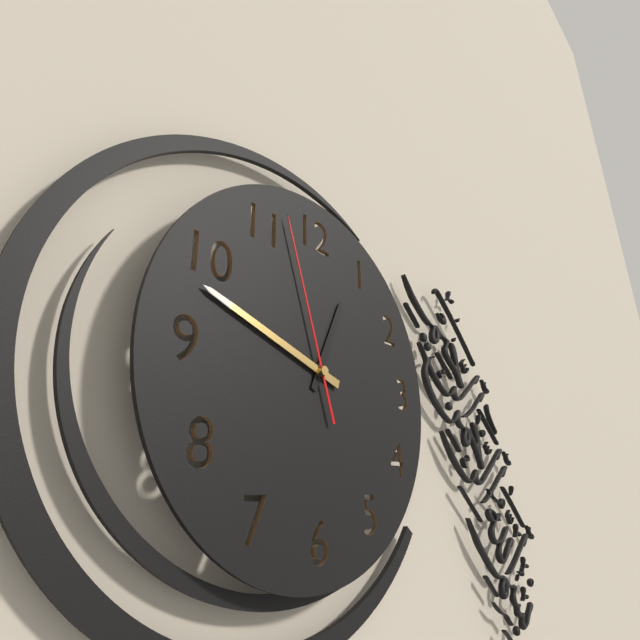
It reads h=12 m=48 s=57
